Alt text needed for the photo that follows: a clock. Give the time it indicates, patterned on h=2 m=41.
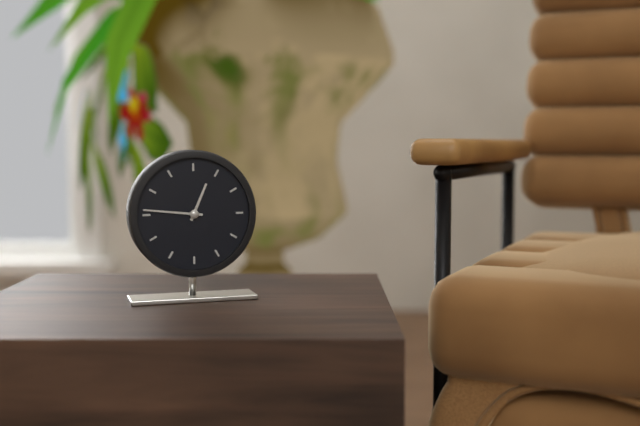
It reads h=12 m=46
